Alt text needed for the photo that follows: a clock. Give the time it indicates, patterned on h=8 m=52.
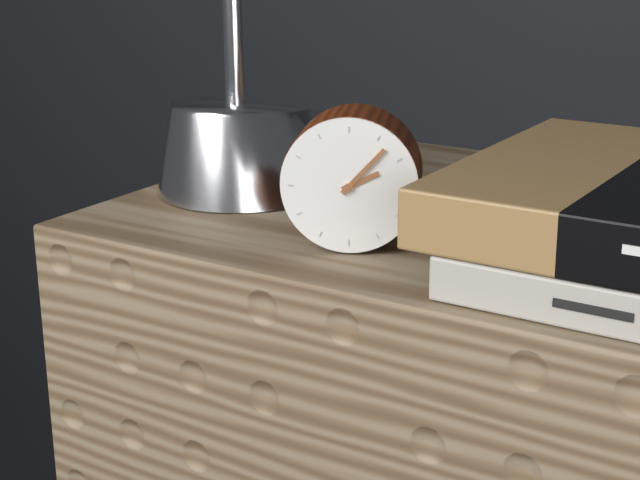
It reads h=2 m=7
